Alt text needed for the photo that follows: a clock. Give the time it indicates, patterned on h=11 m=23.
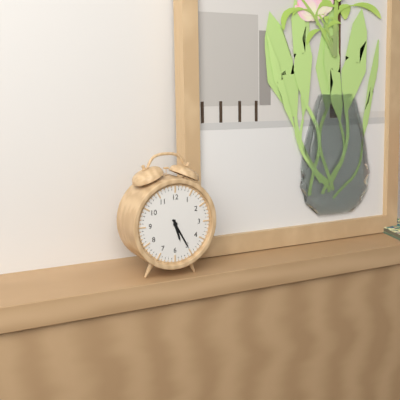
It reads h=5 m=25
